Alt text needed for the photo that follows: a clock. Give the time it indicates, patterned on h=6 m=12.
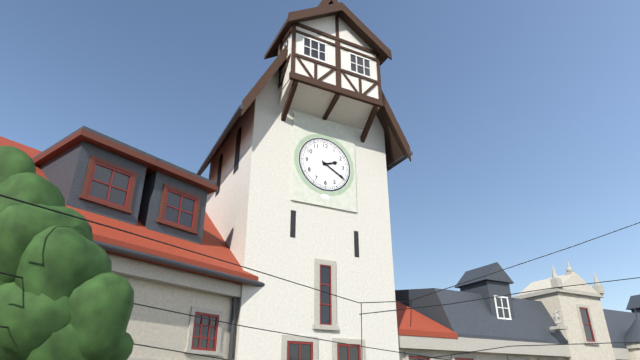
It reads h=2 m=20
